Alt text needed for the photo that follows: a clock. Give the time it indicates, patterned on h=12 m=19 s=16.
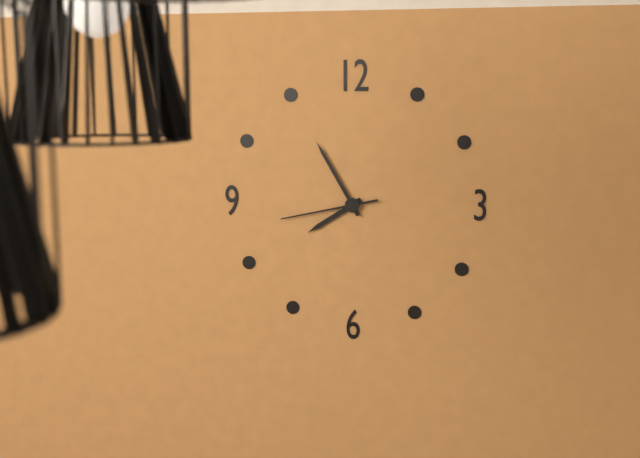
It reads h=7 m=55 s=43
